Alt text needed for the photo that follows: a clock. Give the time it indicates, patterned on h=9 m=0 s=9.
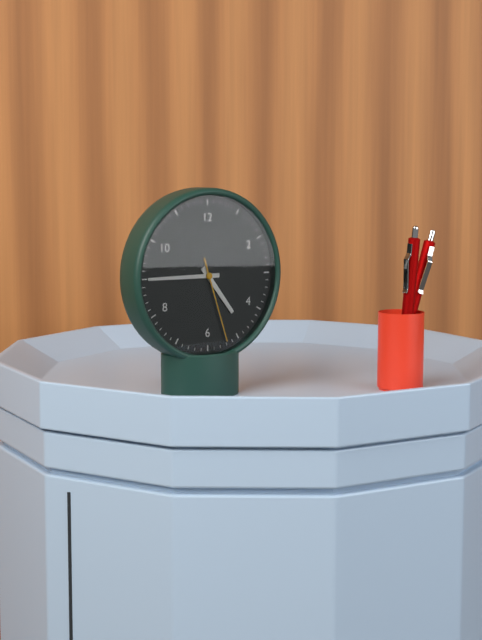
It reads h=4 m=45 s=27
